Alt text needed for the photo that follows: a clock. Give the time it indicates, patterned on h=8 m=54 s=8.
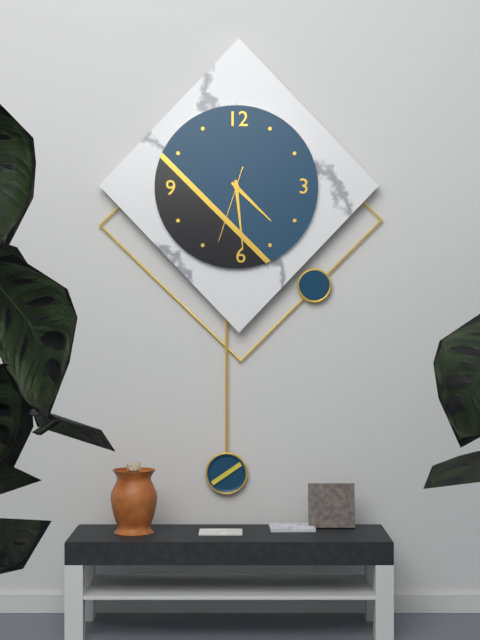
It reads h=4 m=29 s=33
